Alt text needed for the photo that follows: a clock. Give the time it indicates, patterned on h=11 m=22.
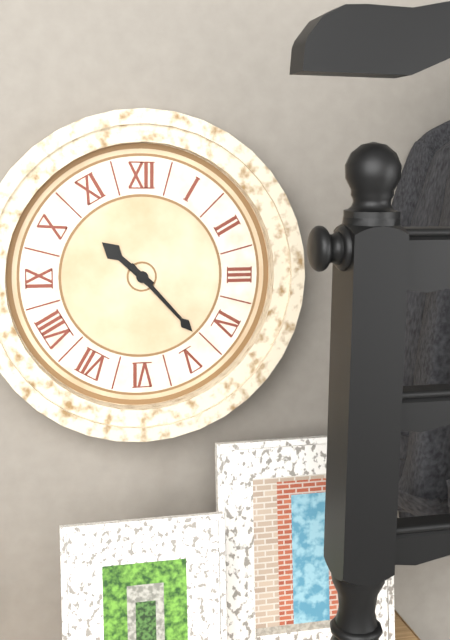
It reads h=10 m=23
